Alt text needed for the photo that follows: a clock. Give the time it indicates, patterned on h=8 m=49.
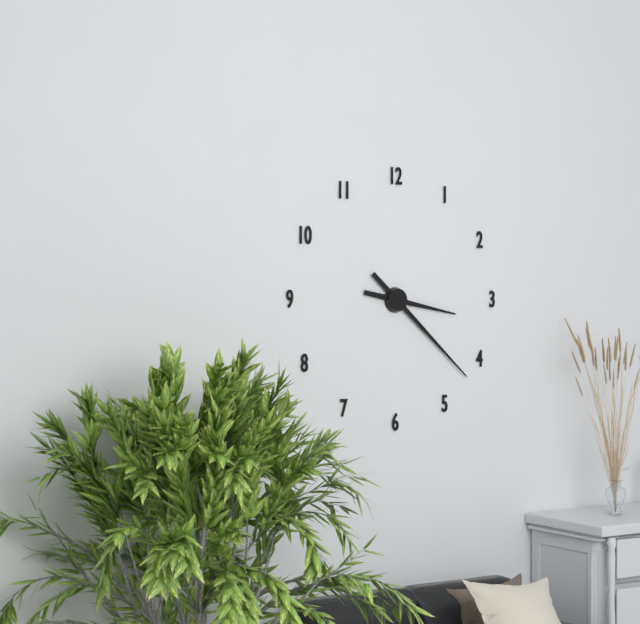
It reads h=3 m=22
